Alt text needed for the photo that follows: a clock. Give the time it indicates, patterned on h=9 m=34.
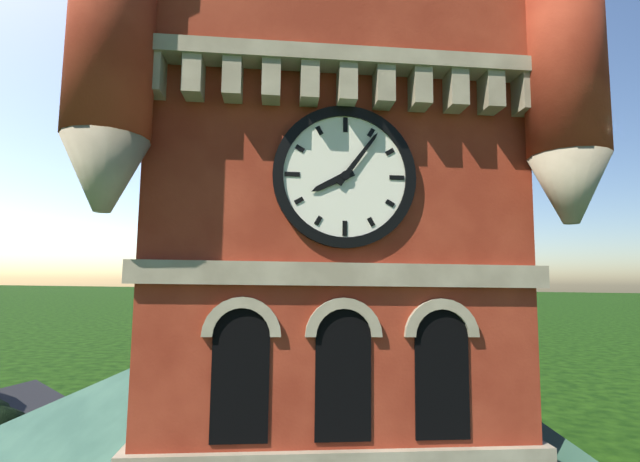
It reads h=8 m=6
